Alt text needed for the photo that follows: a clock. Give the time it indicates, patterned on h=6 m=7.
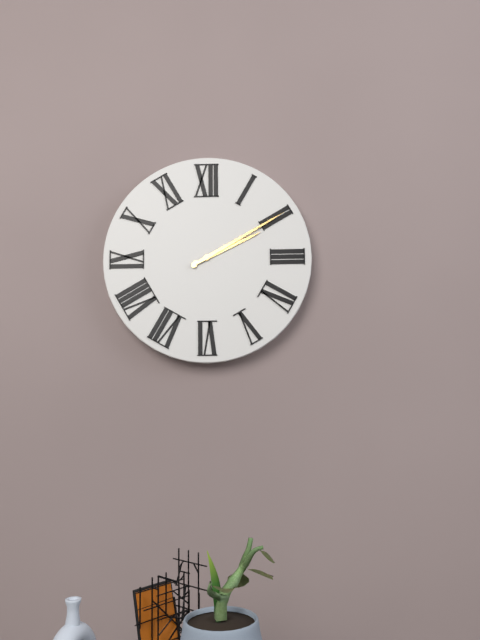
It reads h=2 m=10
